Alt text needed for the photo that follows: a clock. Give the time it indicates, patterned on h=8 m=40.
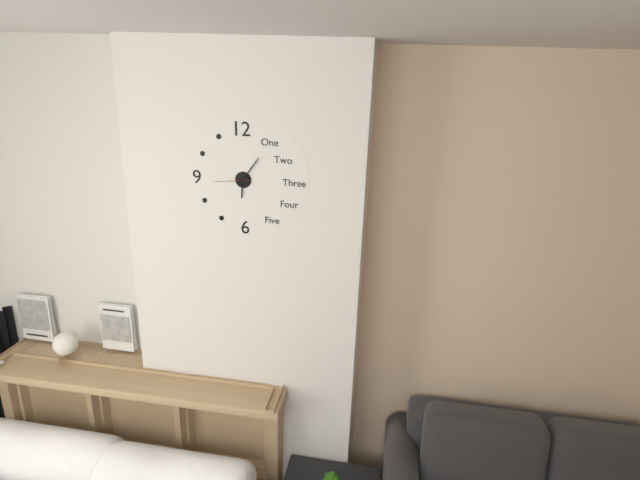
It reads h=6 m=6
